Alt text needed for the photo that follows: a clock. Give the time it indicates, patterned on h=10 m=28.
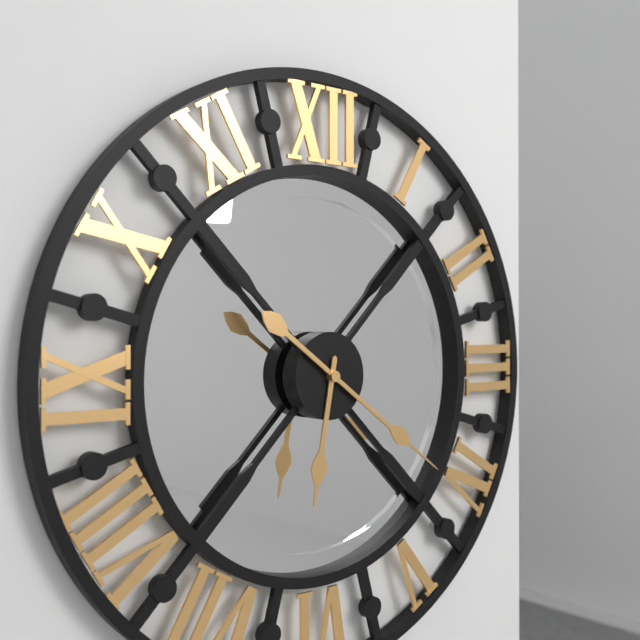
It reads h=6 m=21
